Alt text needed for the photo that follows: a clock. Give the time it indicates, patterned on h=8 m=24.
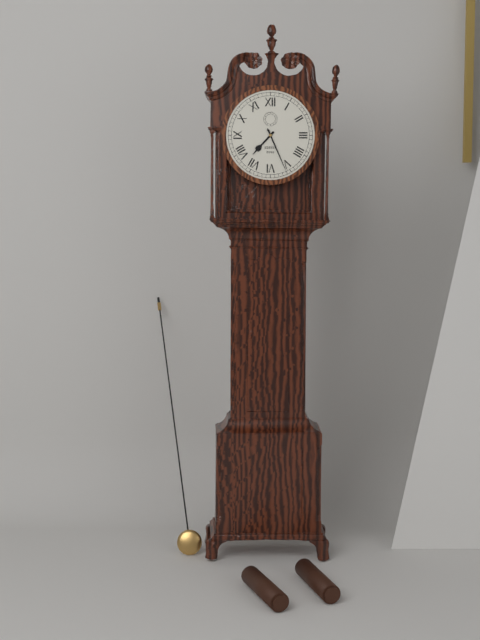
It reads h=7 m=26
